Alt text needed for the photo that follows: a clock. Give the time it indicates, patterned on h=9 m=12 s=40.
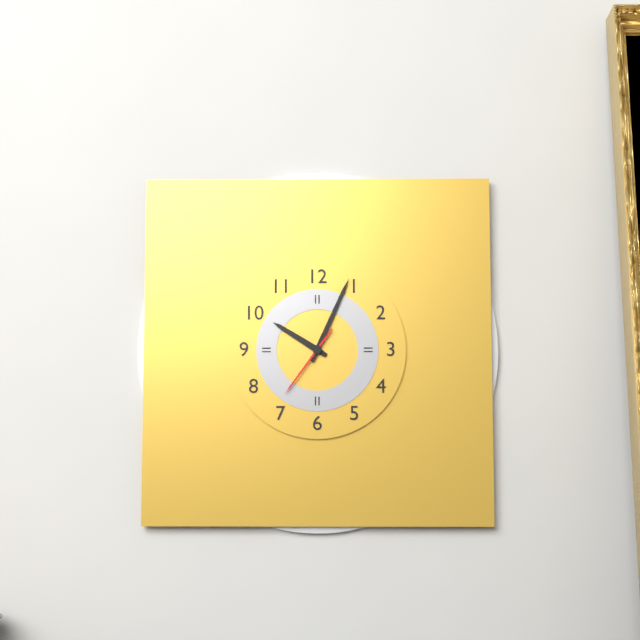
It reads h=10 m=4 s=36
